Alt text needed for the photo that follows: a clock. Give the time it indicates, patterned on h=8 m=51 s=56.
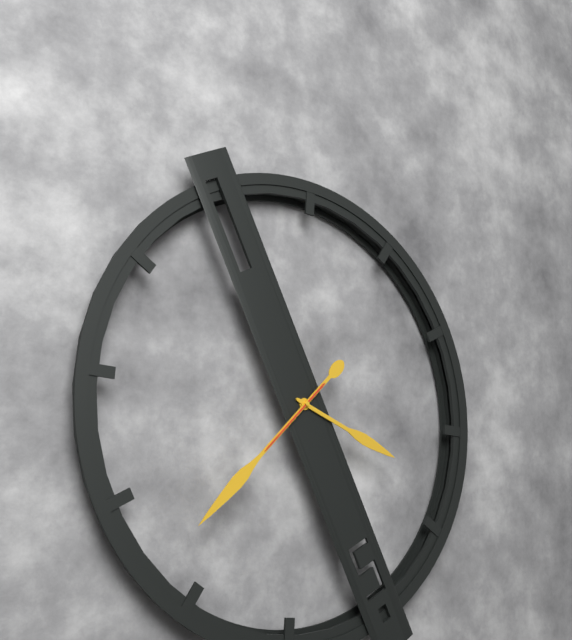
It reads h=3 m=37 s=37
